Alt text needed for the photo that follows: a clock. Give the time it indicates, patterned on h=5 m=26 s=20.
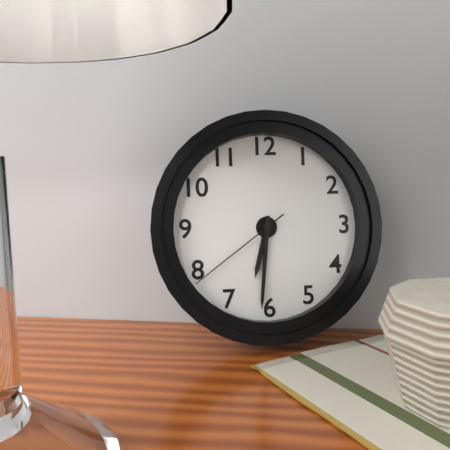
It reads h=6 m=31 s=39
